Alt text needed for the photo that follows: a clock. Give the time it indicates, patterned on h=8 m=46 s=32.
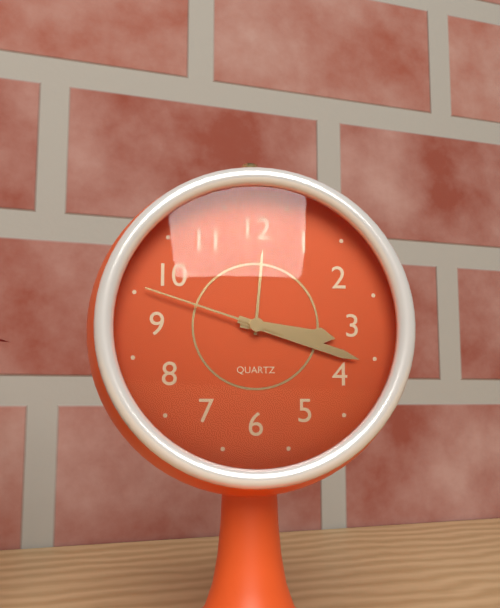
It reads h=3 m=18 s=48
